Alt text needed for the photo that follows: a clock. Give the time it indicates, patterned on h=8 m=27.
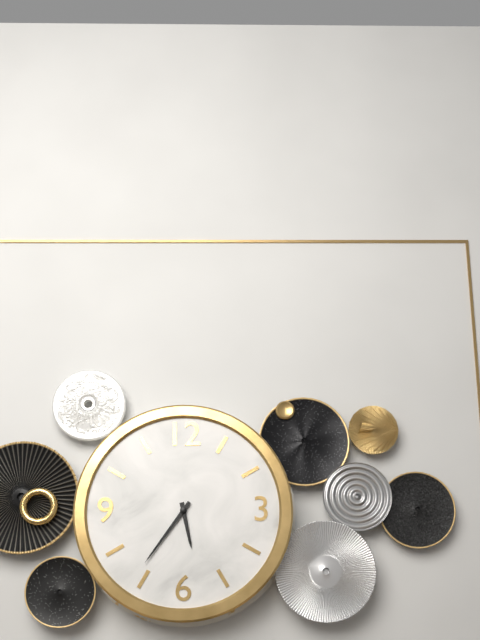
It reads h=5 m=36
